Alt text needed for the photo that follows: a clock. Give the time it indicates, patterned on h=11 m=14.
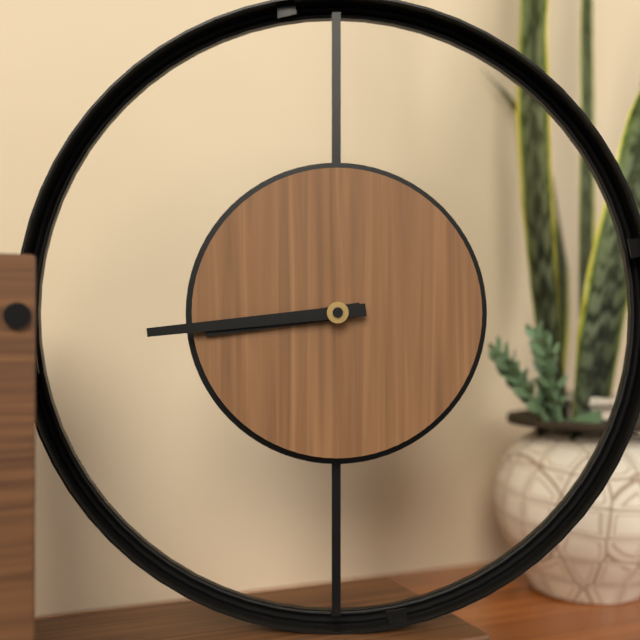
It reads h=8 m=44
